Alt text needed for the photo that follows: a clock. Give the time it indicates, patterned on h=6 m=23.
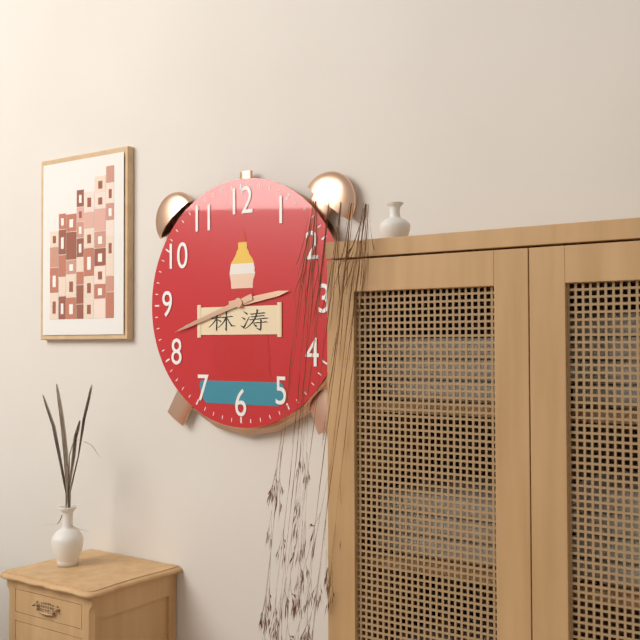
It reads h=2 m=42
